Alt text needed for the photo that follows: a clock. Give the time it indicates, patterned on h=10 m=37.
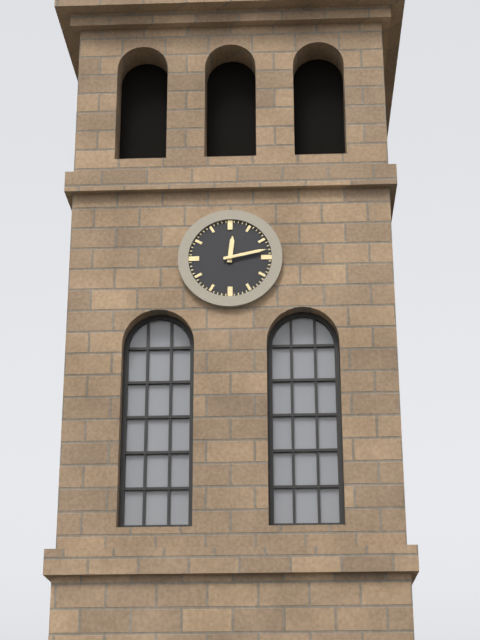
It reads h=12 m=13
